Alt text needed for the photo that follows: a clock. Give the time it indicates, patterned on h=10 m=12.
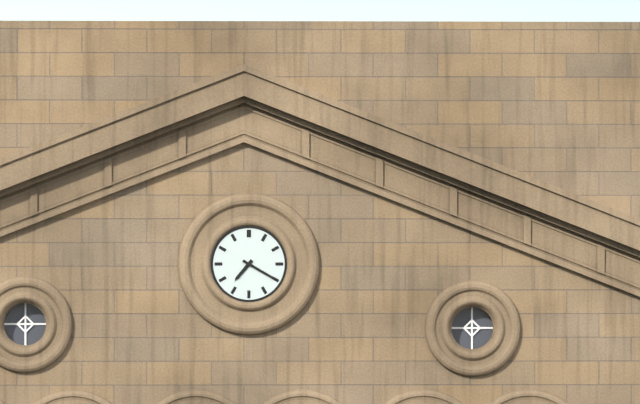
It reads h=7 m=20
